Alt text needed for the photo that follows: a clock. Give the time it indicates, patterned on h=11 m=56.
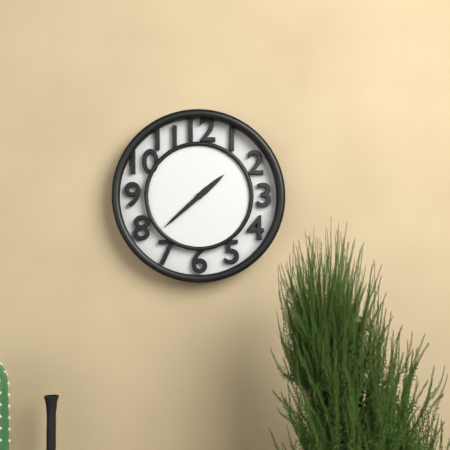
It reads h=1 m=38
